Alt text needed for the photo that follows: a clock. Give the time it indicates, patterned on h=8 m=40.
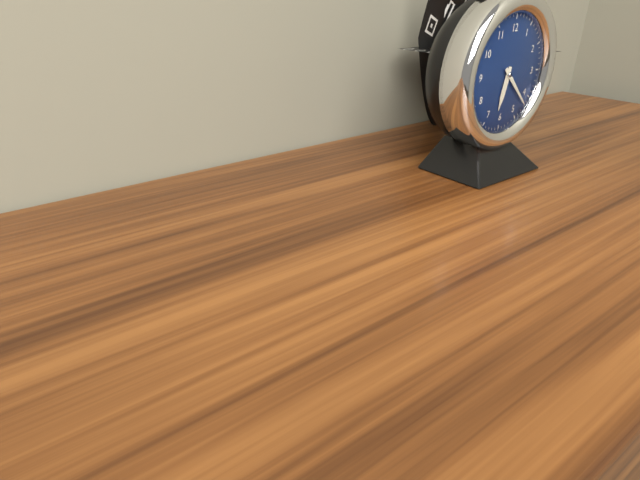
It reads h=6 m=22
